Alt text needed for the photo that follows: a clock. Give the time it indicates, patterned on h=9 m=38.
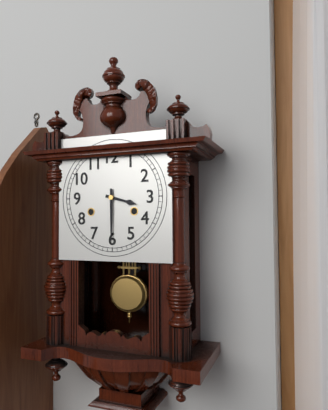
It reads h=3 m=30
